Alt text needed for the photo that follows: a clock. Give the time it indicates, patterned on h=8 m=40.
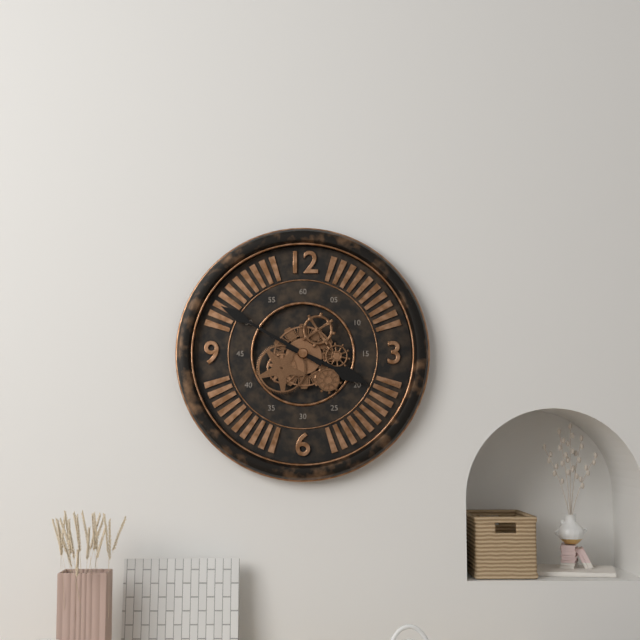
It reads h=3 m=50
